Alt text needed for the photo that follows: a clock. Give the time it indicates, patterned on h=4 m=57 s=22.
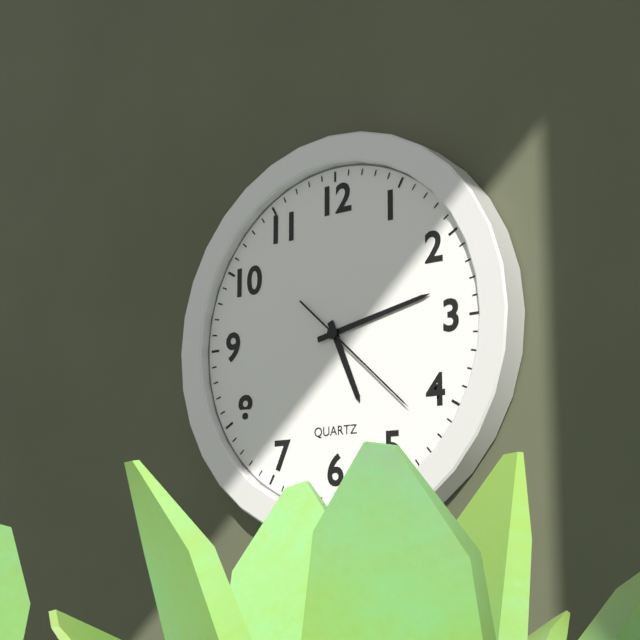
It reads h=5 m=13 s=22
